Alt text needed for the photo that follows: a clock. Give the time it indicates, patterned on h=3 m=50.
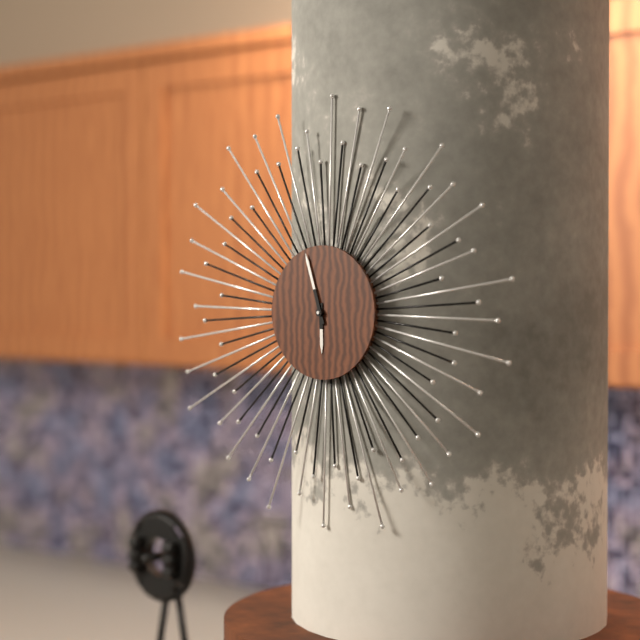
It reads h=5 m=57
